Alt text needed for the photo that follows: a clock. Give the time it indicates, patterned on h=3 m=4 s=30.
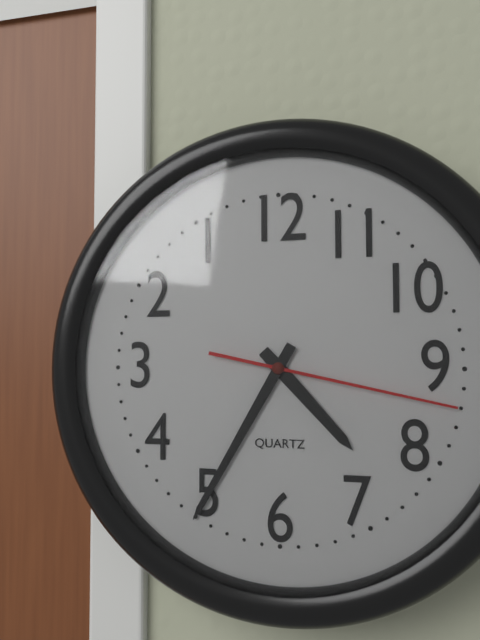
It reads h=4 m=35 s=17
